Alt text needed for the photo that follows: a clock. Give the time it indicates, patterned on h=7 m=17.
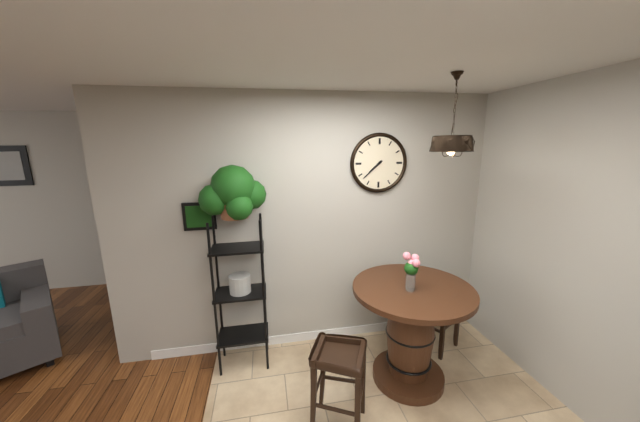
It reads h=7 m=38
